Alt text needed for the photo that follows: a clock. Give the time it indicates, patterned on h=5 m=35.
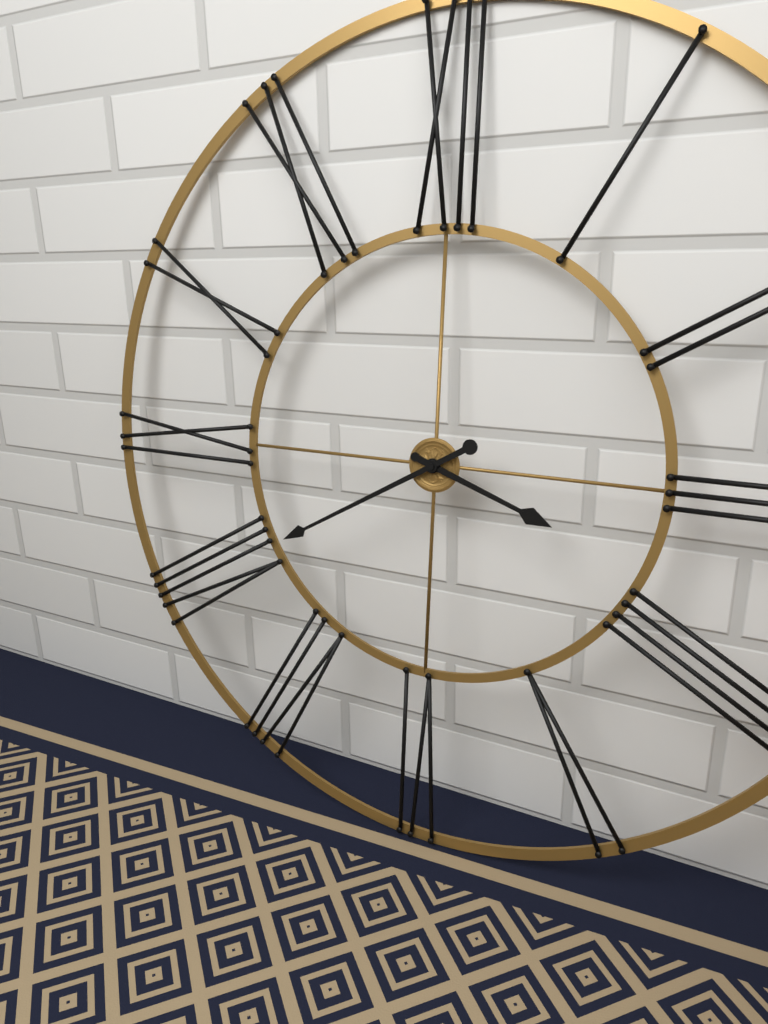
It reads h=3 m=40
